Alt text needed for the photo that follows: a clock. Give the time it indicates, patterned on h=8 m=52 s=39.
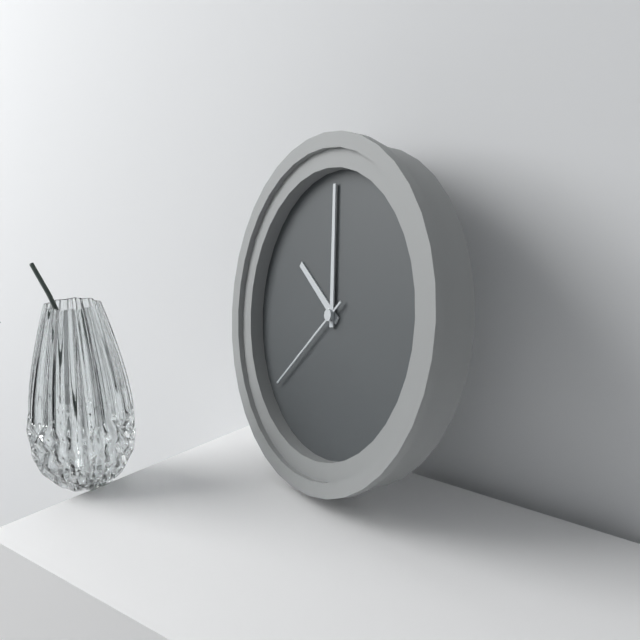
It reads h=9 m=58 s=37
